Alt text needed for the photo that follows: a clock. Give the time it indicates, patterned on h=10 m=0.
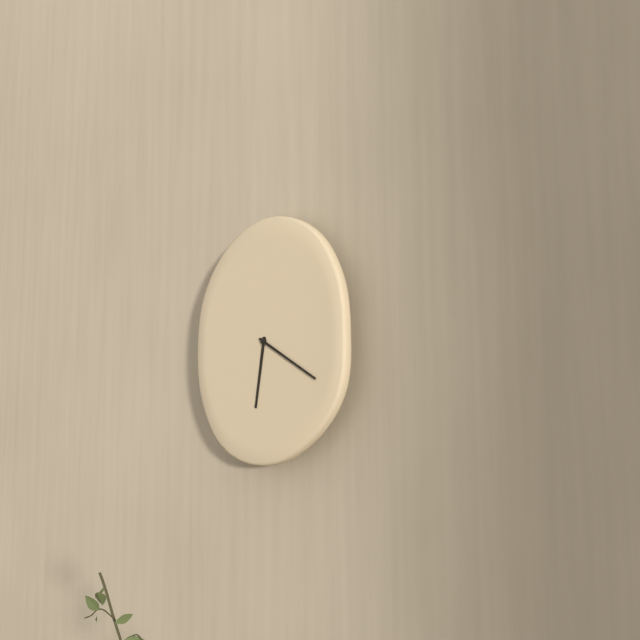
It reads h=6 m=20
